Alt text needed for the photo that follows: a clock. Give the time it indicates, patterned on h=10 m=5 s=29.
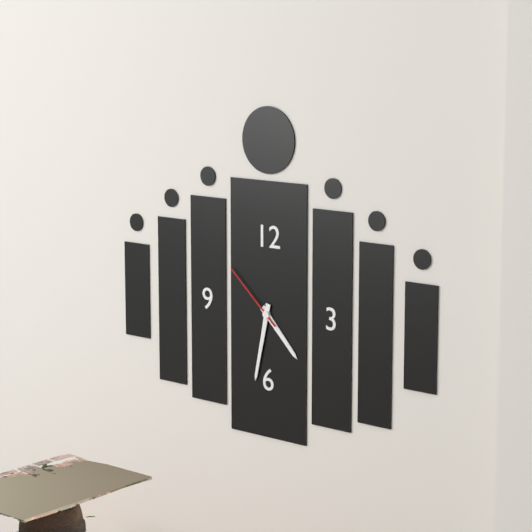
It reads h=4 m=32 s=52
